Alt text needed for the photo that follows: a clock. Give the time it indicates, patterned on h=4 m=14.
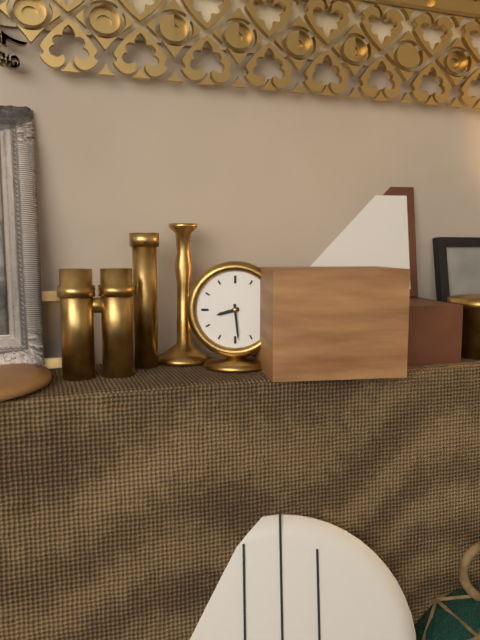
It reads h=8 m=29
